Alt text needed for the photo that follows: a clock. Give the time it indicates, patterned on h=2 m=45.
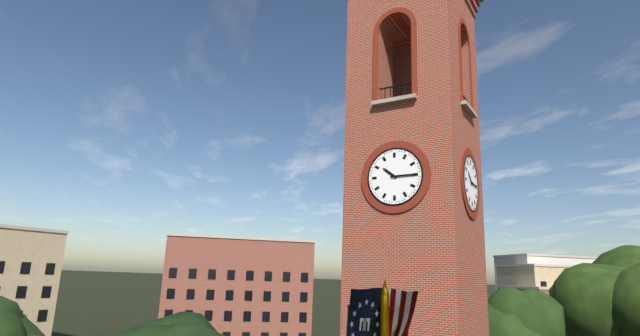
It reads h=10 m=15
